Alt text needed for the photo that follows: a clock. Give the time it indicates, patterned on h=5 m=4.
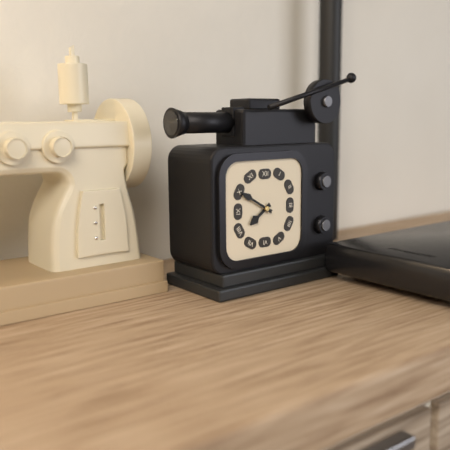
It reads h=7 m=50
